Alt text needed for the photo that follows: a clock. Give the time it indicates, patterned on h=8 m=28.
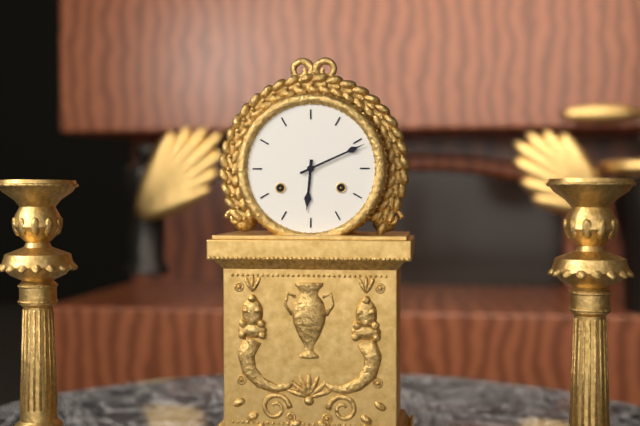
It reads h=6 m=11
